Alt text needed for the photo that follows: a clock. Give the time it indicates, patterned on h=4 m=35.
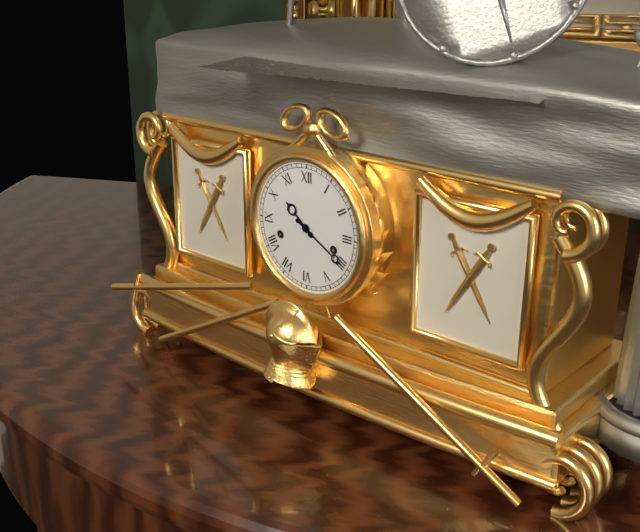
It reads h=10 m=20
